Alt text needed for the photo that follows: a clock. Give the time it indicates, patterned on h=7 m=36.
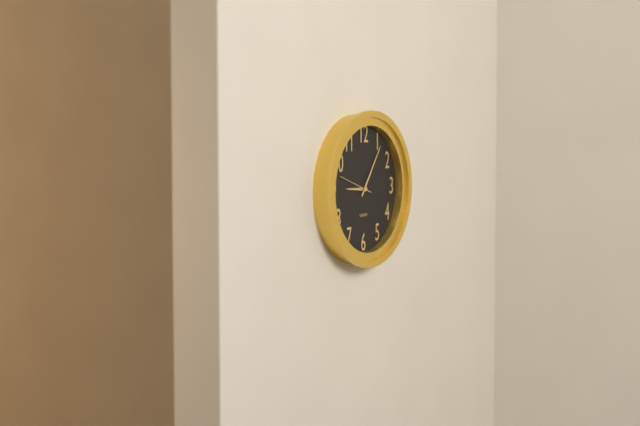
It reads h=9 m=6
